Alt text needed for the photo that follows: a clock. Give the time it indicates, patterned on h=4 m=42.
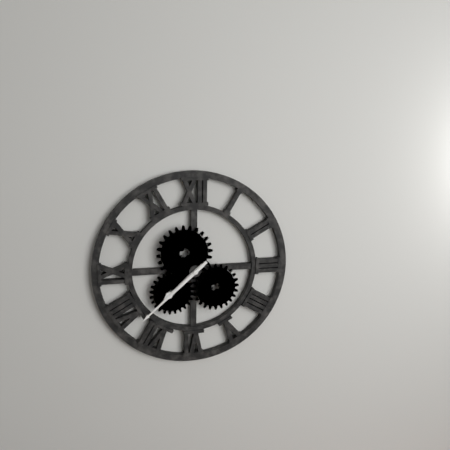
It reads h=7 m=38
